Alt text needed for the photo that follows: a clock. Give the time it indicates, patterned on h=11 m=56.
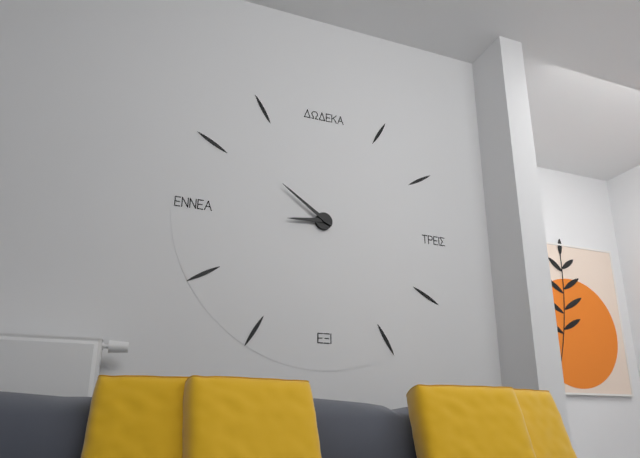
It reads h=8 m=51
